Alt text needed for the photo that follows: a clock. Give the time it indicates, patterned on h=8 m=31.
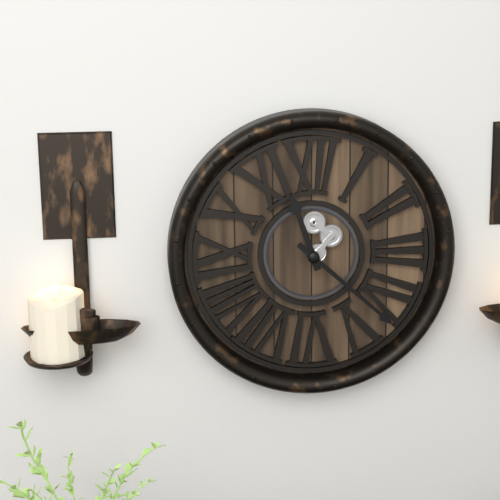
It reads h=11 m=22
